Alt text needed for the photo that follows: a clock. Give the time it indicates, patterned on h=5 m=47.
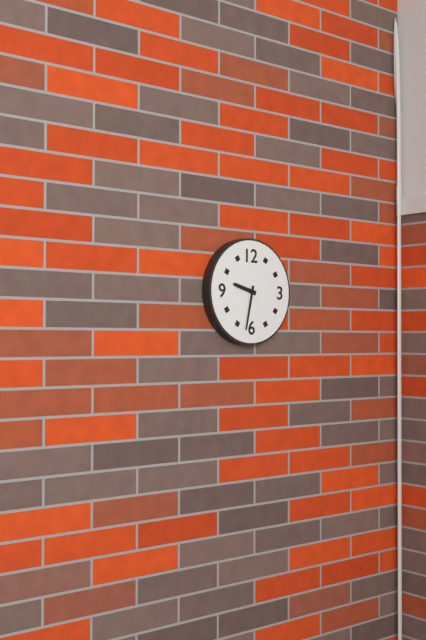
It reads h=9 m=32
